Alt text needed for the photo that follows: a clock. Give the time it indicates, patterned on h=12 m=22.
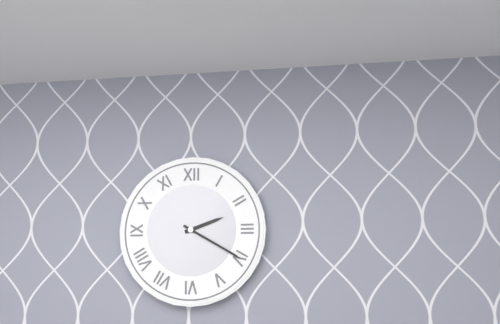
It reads h=2 m=20
